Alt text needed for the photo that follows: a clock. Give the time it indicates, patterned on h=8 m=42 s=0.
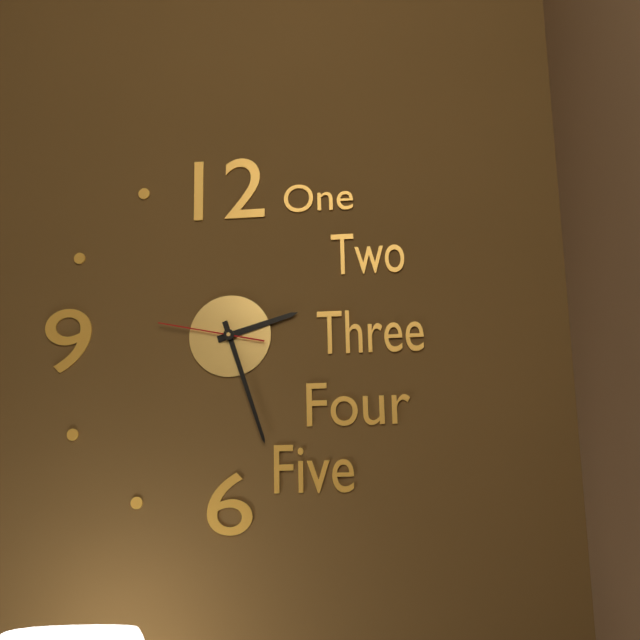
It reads h=2 m=27 s=47
